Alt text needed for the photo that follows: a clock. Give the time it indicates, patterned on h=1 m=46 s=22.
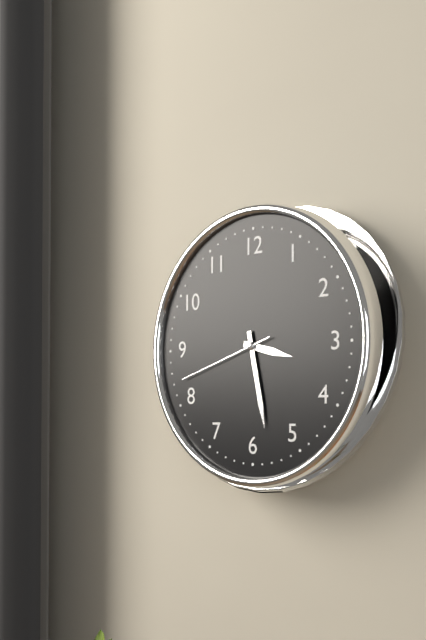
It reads h=3 m=28 s=42
